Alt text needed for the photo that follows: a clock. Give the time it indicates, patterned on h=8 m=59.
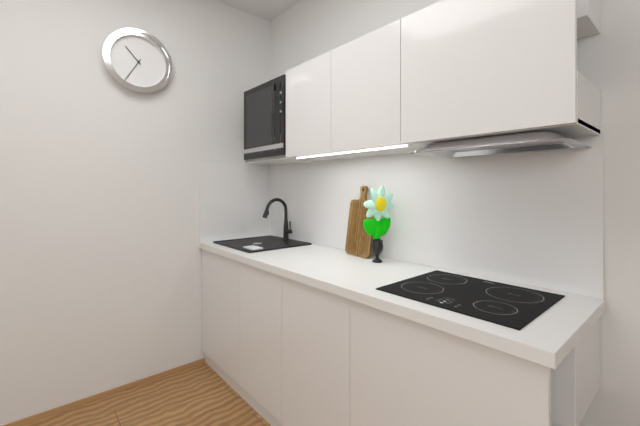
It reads h=10 m=35
